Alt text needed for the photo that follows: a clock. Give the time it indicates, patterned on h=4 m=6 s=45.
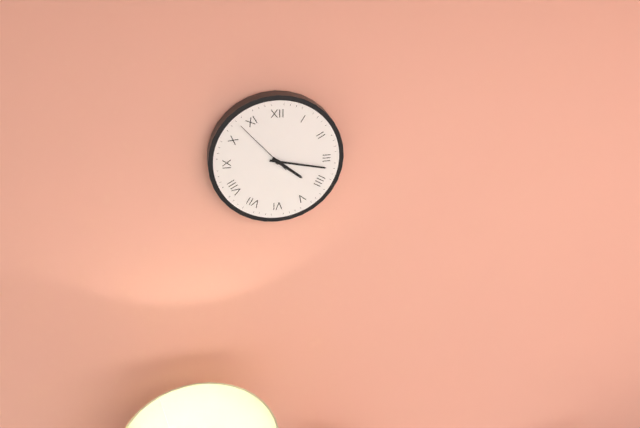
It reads h=4 m=17 s=53
